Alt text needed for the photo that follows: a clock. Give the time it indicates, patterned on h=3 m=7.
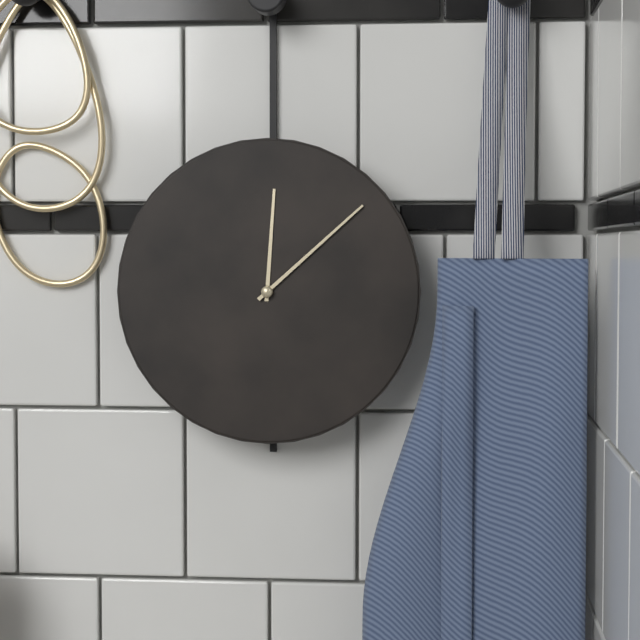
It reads h=12 m=8
